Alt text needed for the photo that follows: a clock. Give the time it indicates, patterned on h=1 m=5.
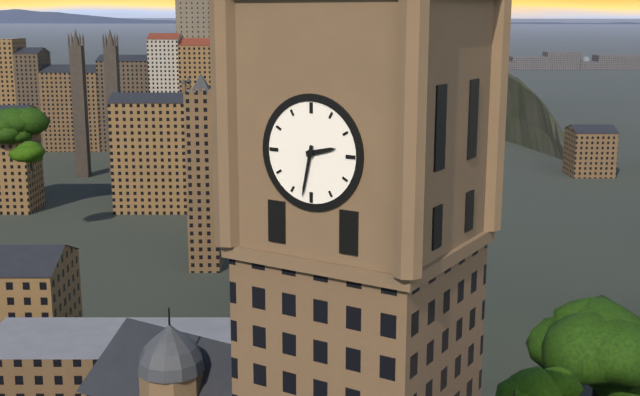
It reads h=2 m=32
